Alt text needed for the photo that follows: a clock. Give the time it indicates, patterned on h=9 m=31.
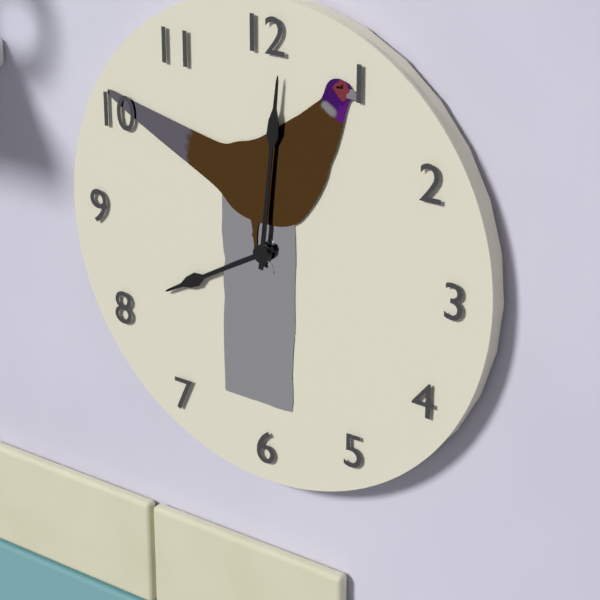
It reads h=8 m=1
